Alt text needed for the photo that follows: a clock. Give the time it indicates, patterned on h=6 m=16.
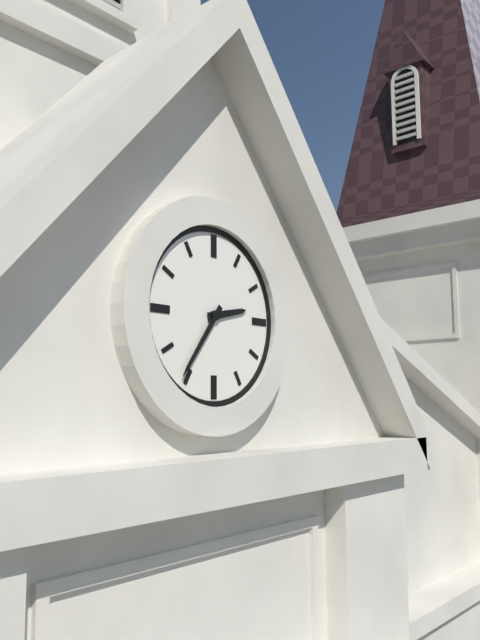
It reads h=2 m=36
